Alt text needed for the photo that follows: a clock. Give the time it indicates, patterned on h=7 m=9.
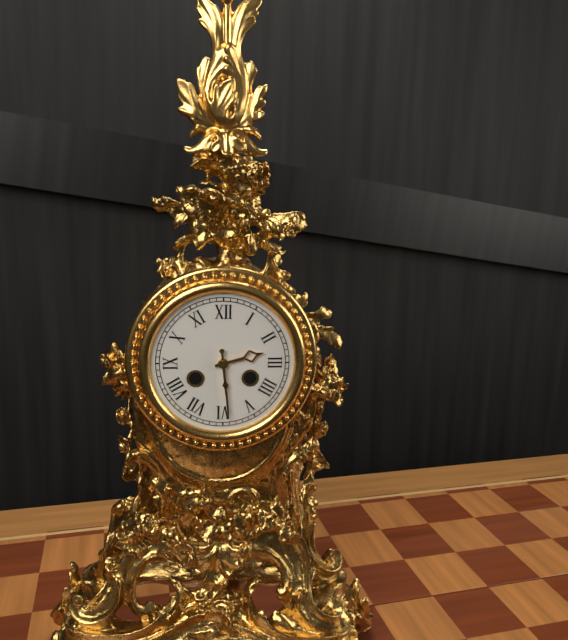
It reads h=2 m=29
